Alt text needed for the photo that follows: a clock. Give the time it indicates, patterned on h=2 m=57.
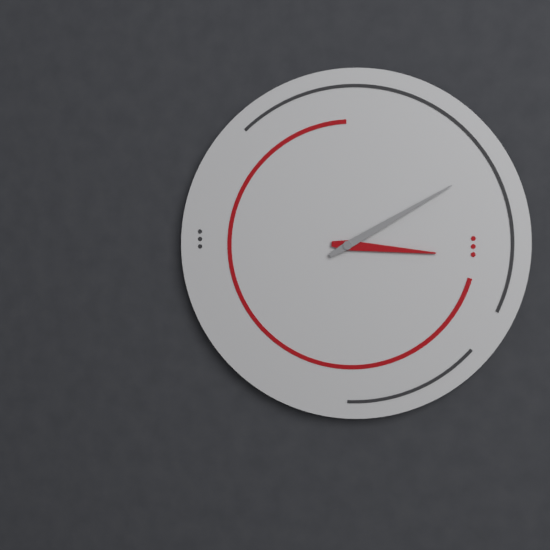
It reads h=3 m=10
